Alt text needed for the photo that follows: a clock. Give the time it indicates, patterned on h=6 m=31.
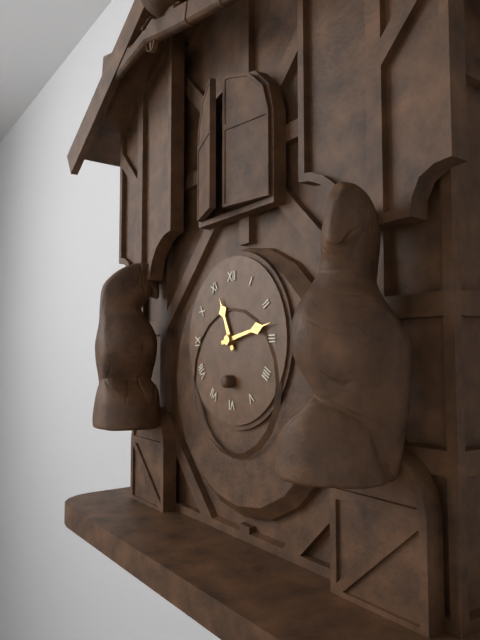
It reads h=11 m=13
